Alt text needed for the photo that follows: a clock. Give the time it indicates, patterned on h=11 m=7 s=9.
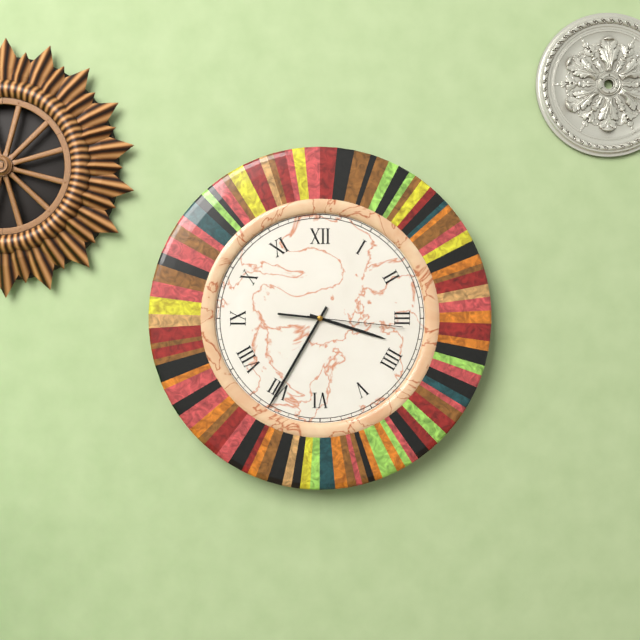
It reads h=3 m=35 s=16
